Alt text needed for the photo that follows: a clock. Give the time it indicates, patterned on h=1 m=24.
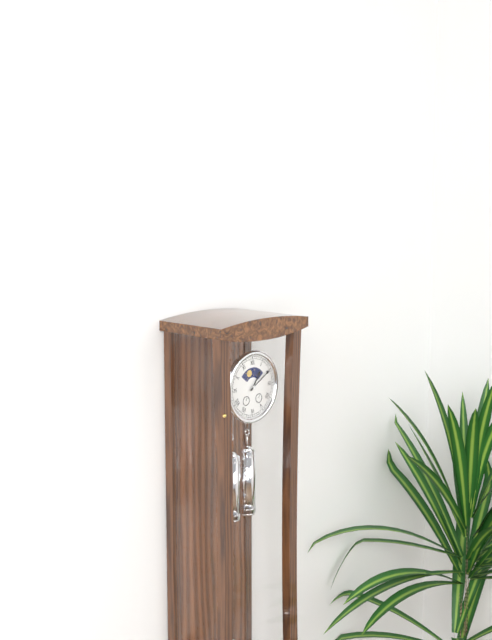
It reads h=1 m=10
